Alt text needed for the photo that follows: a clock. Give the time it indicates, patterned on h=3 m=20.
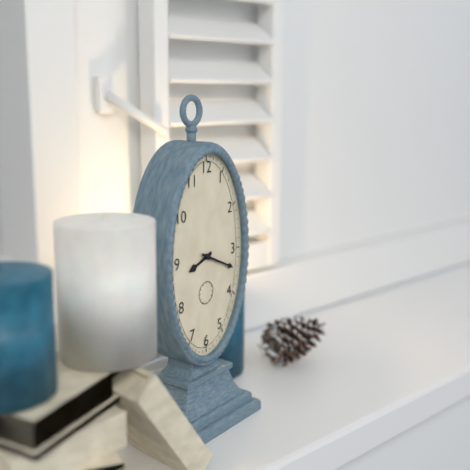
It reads h=8 m=19
